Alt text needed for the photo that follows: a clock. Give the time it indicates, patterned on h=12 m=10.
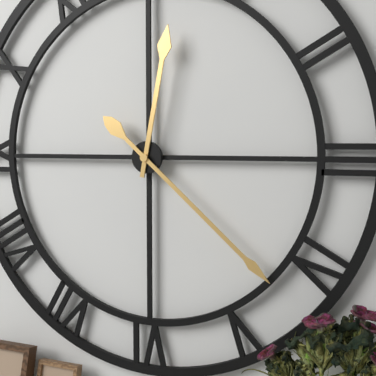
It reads h=12 m=22
